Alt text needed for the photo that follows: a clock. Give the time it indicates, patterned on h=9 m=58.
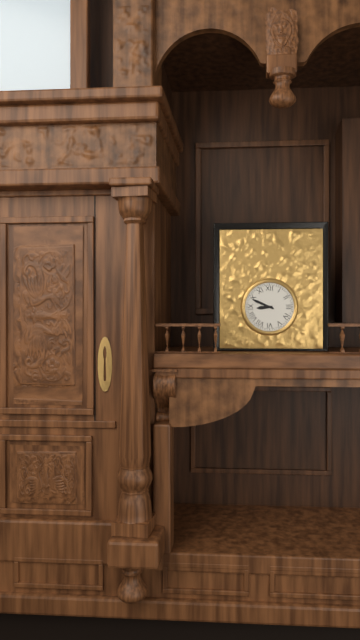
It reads h=8 m=49
